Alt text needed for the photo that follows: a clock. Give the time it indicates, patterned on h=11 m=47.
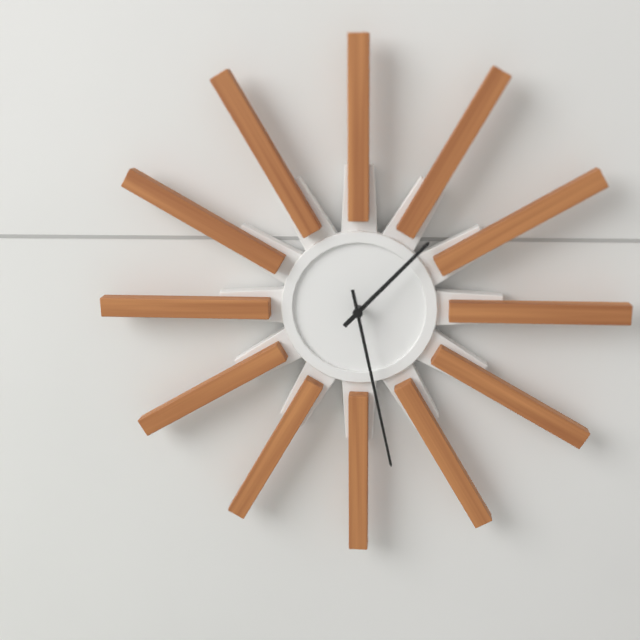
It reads h=1 m=28
